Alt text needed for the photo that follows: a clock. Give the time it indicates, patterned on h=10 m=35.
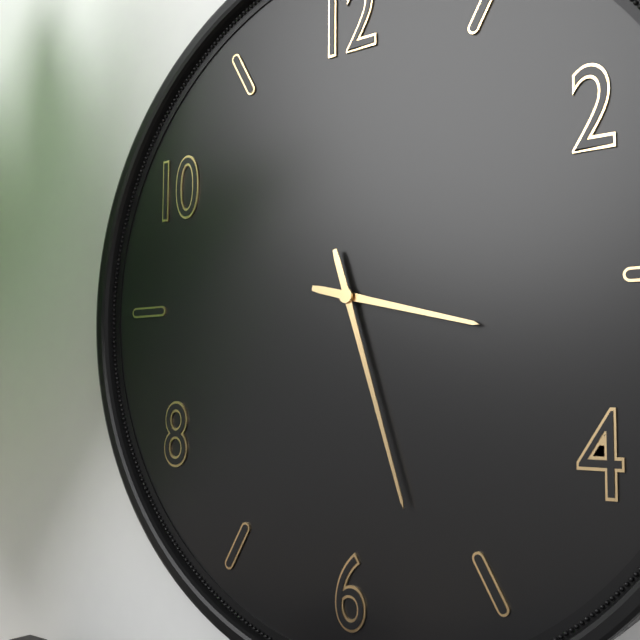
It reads h=3 m=27
